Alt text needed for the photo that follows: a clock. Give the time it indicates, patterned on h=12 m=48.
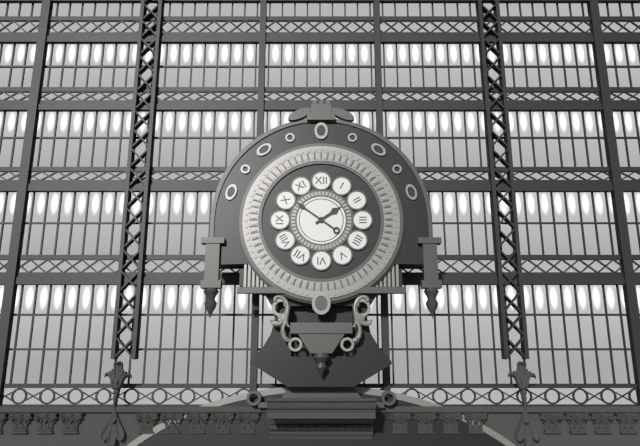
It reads h=1 m=51
